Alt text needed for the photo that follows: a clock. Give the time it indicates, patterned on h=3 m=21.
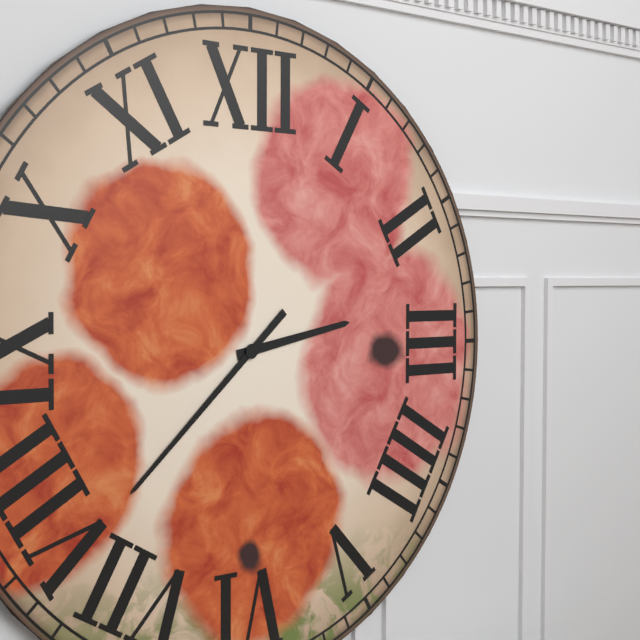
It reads h=2 m=38
